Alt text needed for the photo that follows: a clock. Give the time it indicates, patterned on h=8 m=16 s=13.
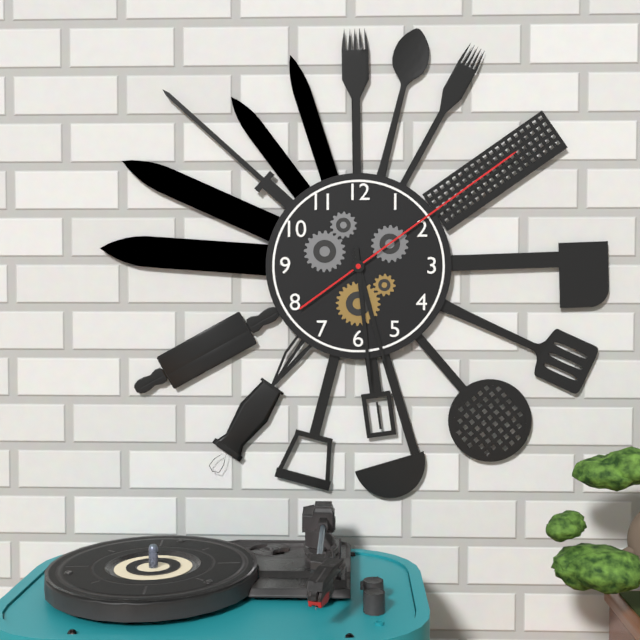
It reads h=5 m=29 s=9
